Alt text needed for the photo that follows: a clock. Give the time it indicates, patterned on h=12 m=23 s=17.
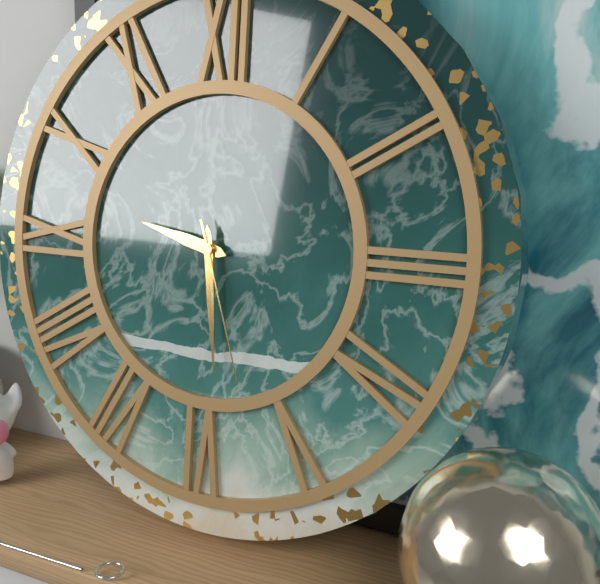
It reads h=9 m=29 s=27
